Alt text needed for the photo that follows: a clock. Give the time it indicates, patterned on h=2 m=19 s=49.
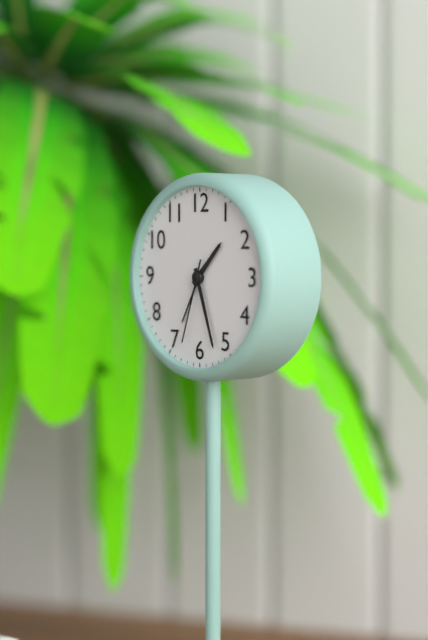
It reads h=1 m=27 s=33
